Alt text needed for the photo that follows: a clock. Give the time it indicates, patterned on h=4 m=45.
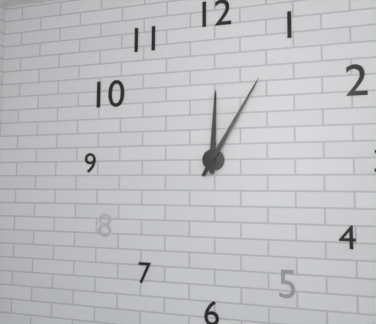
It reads h=12 m=5
